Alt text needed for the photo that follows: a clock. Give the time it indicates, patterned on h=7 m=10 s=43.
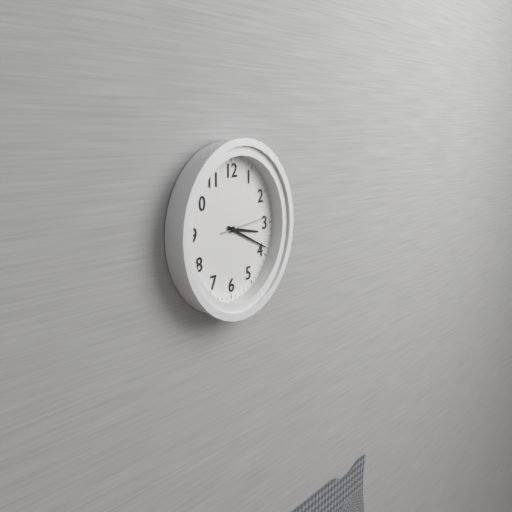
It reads h=3 m=19 s=14
